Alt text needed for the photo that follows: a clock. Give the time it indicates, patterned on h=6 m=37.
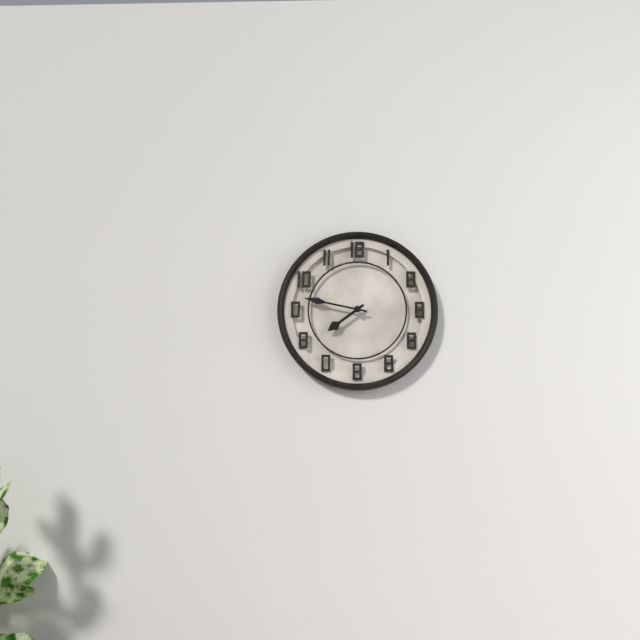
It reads h=7 m=47
